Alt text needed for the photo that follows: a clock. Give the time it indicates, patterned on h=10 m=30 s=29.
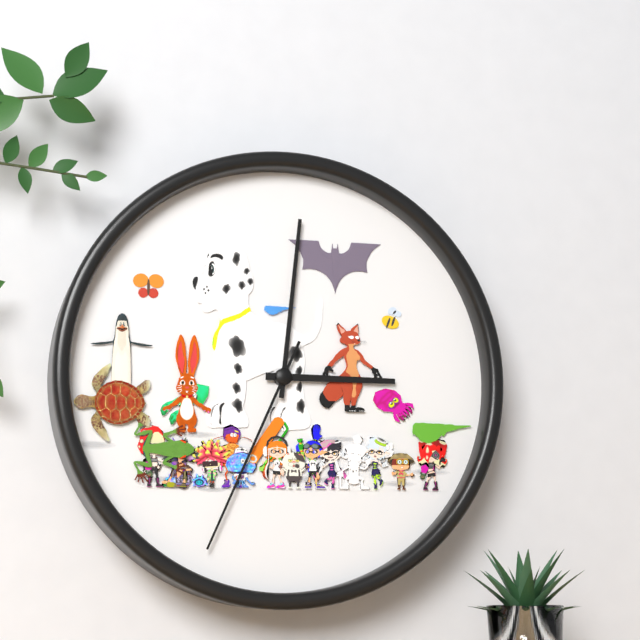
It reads h=3 m=1 s=34
